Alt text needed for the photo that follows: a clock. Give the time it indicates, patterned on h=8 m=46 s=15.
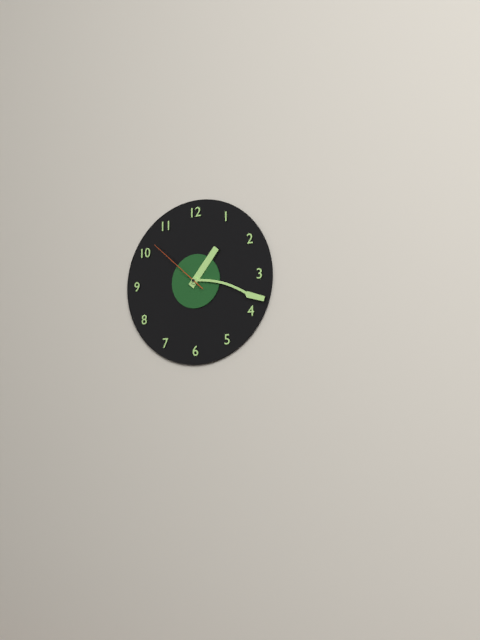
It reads h=1 m=18 s=52
